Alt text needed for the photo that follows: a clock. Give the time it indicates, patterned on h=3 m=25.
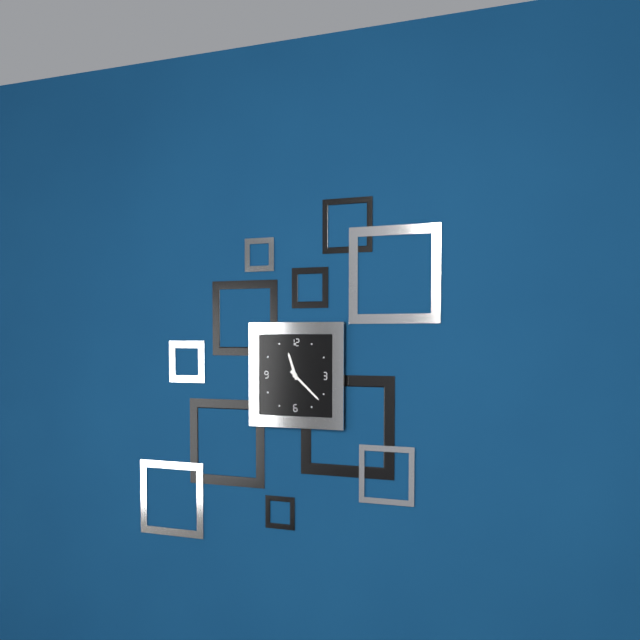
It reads h=11 m=22
